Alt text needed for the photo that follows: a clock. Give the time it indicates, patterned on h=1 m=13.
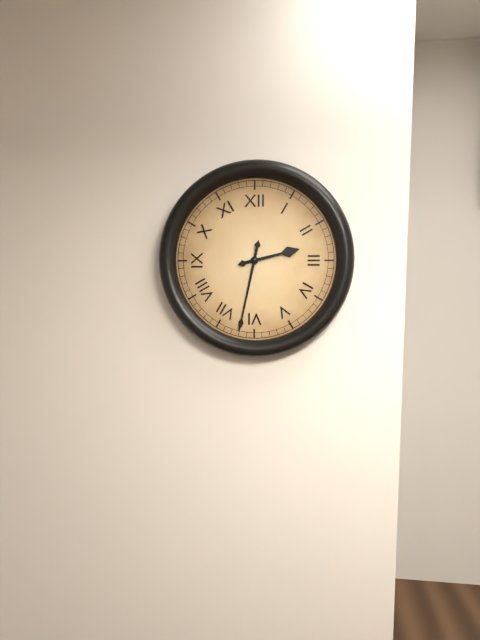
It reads h=2 m=32
